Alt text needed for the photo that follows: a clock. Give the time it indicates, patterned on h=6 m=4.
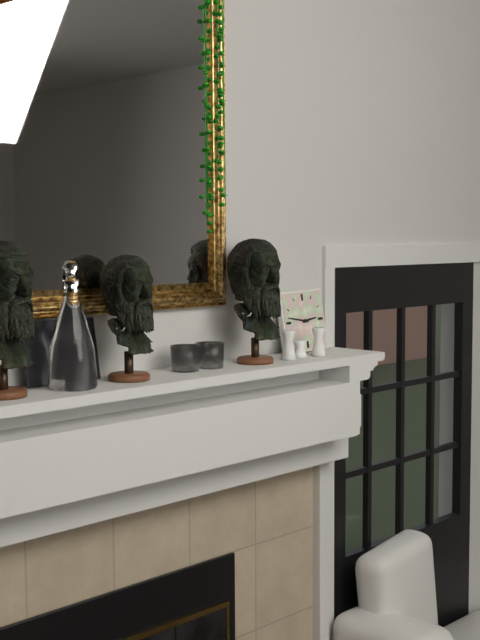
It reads h=2 m=47
